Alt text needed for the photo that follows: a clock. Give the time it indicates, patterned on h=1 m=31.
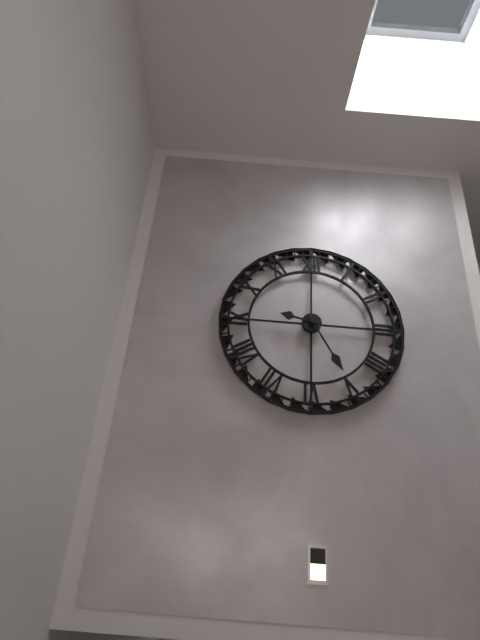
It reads h=9 m=25
